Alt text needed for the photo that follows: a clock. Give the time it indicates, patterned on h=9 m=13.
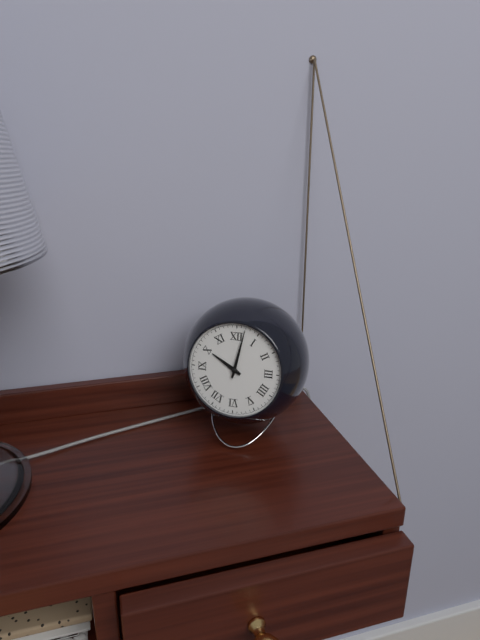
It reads h=10 m=2
